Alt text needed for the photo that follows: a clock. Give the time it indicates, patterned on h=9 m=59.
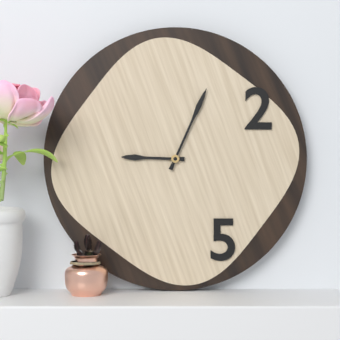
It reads h=9 m=4
